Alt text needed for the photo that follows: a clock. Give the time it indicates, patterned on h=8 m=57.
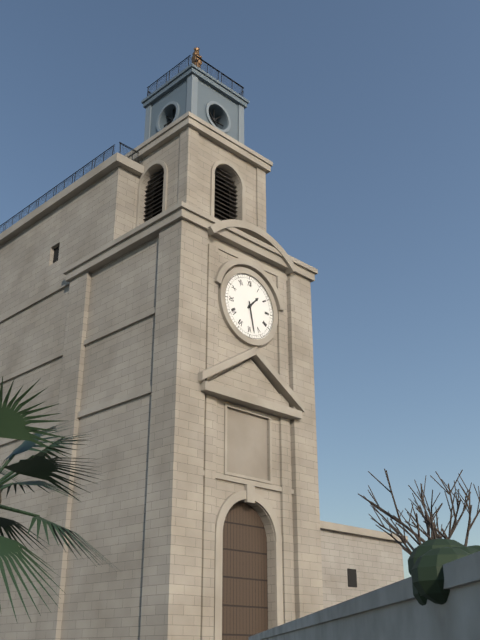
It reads h=1 m=28
